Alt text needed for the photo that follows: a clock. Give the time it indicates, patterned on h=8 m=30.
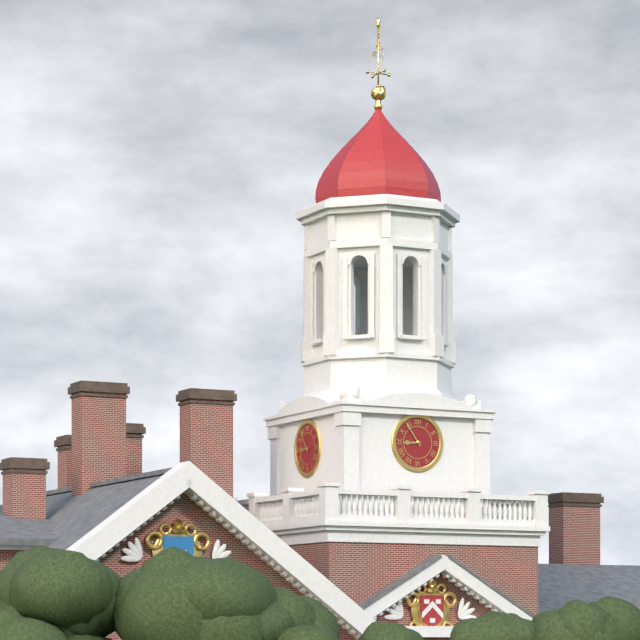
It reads h=8 m=54
